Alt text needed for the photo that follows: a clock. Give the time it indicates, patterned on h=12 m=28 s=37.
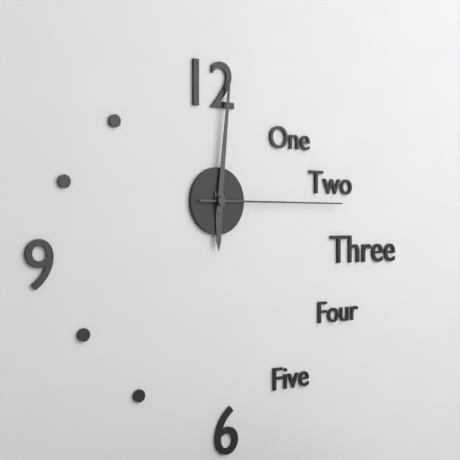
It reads h=6 m=1 s=15
